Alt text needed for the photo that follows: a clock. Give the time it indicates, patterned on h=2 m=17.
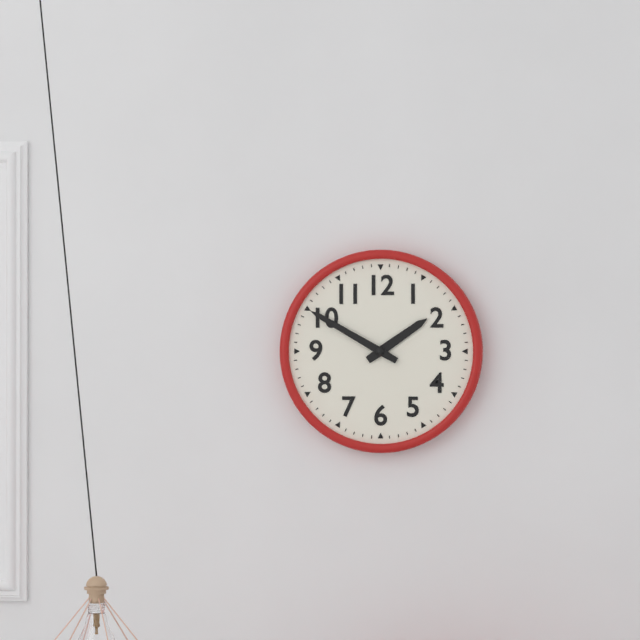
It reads h=1 m=50
